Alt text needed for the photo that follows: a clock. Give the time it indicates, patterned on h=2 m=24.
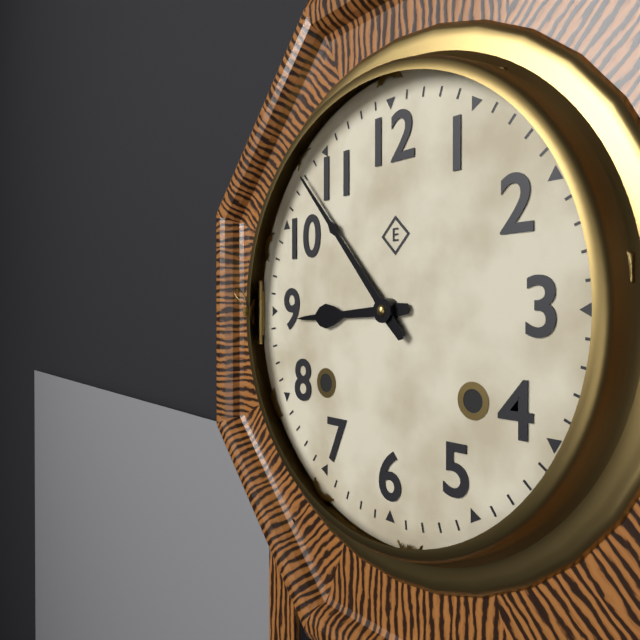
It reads h=8 m=53
